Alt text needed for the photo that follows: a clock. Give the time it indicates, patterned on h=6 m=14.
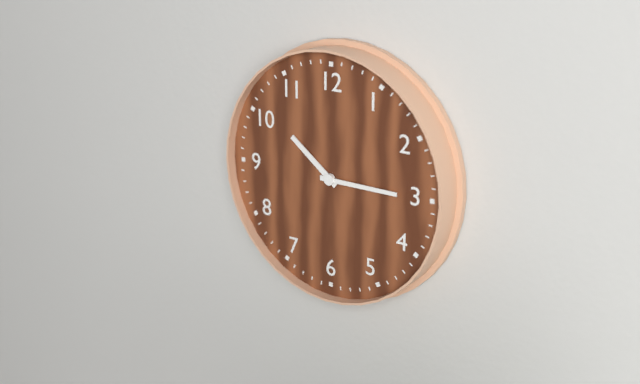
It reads h=10 m=15
